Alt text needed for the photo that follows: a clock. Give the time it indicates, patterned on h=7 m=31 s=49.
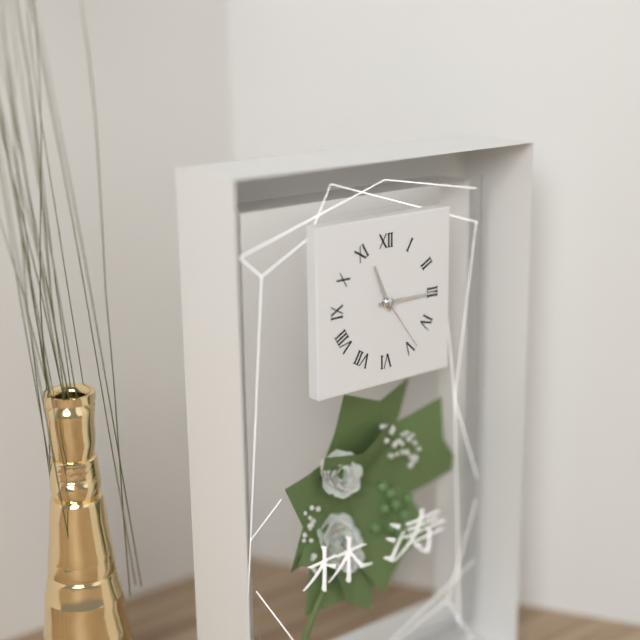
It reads h=11 m=15 s=24
